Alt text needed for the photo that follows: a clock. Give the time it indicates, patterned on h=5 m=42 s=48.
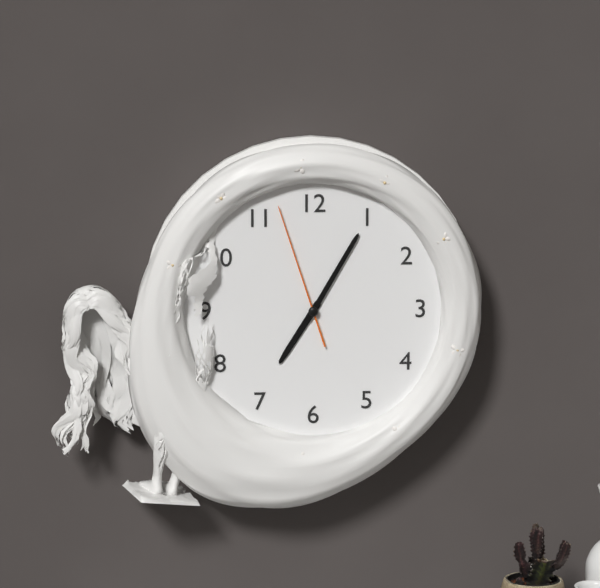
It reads h=7 m=5 s=57
